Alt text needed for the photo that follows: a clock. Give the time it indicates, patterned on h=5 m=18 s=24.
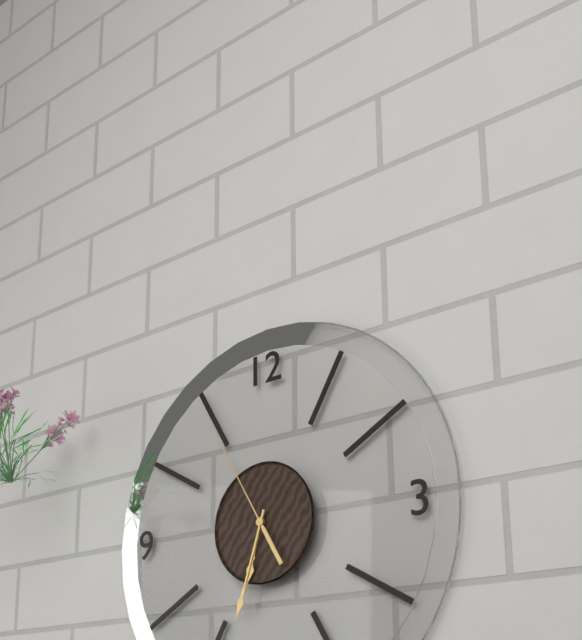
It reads h=6 m=33 s=55
